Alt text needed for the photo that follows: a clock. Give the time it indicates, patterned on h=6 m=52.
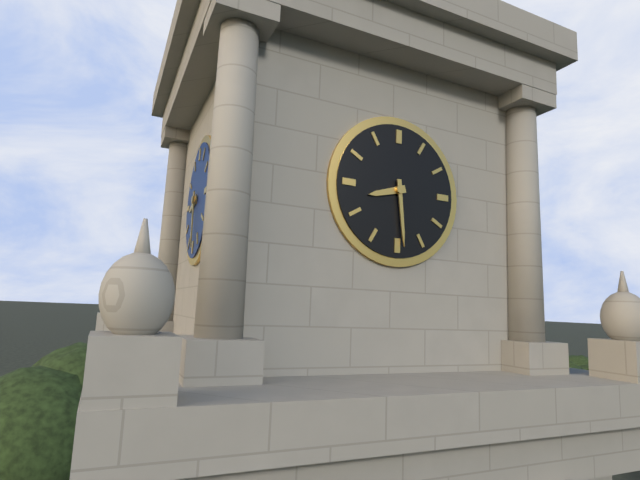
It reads h=8 m=29
